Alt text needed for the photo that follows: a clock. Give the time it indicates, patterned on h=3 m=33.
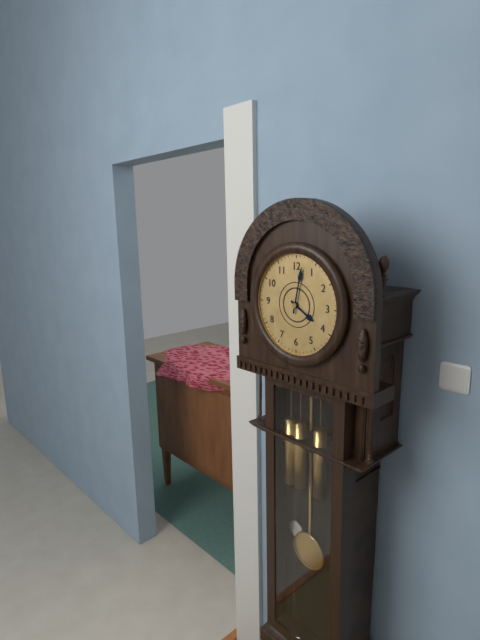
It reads h=4 m=2
